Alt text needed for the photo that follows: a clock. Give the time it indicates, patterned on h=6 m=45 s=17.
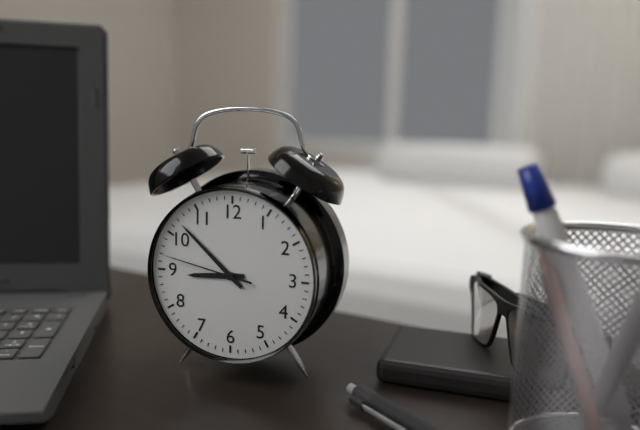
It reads h=8 m=52 s=47
